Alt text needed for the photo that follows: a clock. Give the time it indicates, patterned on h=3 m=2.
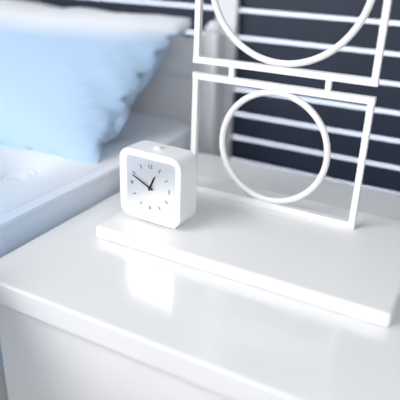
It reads h=12 m=49
